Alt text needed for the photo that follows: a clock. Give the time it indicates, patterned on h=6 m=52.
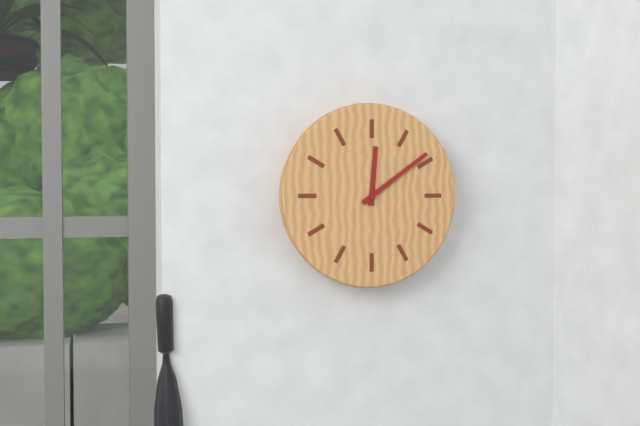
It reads h=12 m=9
